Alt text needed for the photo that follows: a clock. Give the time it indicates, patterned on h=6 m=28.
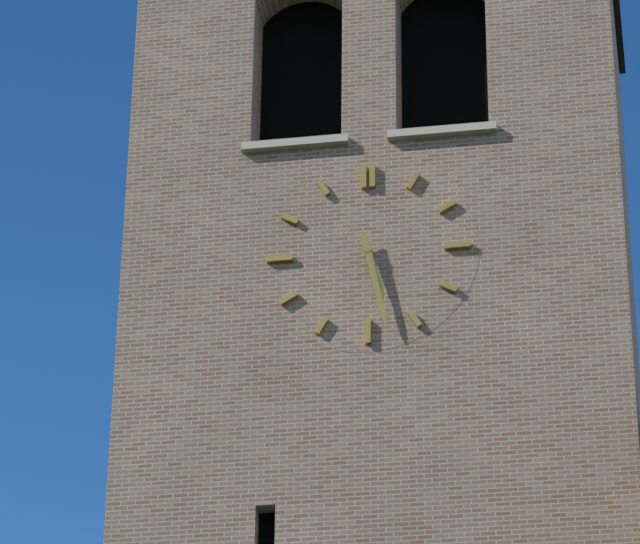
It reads h=5 m=28
